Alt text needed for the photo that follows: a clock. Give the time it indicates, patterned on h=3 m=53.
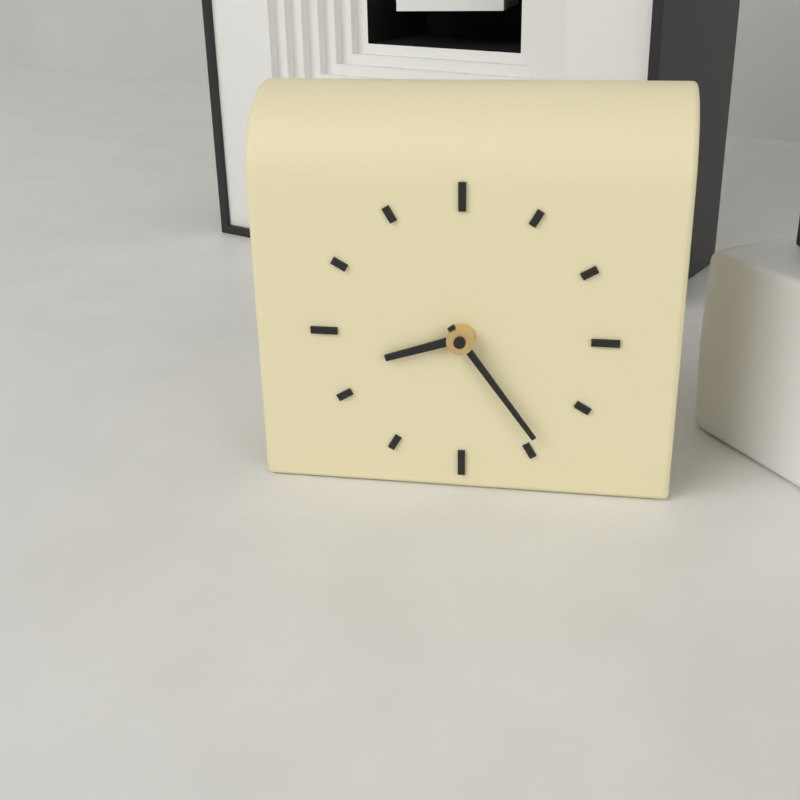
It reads h=8 m=24
